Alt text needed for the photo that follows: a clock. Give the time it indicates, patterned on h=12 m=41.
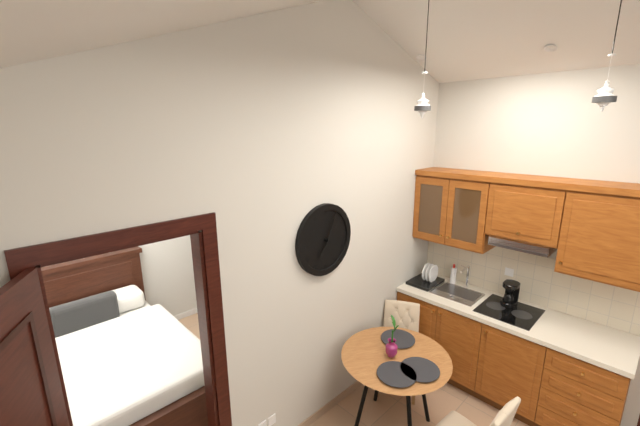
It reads h=7 m=4
